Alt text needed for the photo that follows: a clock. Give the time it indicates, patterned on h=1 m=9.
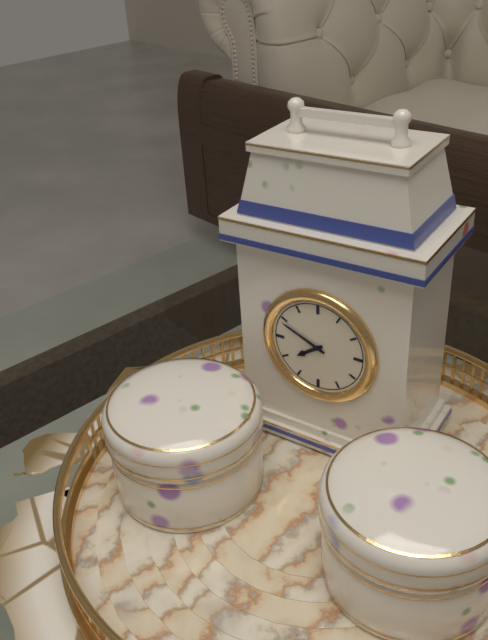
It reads h=7 m=49
